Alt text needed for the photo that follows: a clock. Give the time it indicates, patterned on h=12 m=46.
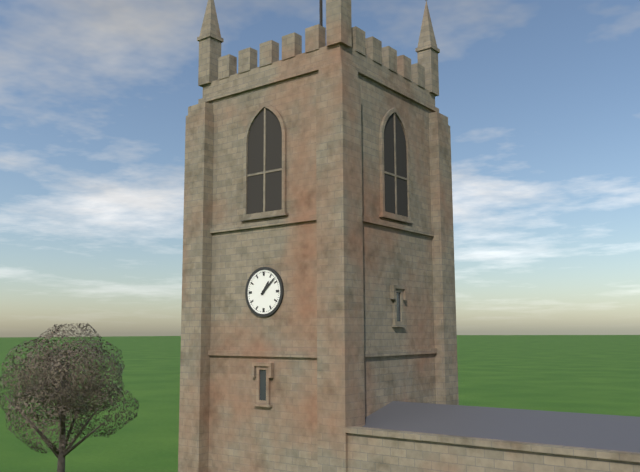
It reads h=1 m=8
